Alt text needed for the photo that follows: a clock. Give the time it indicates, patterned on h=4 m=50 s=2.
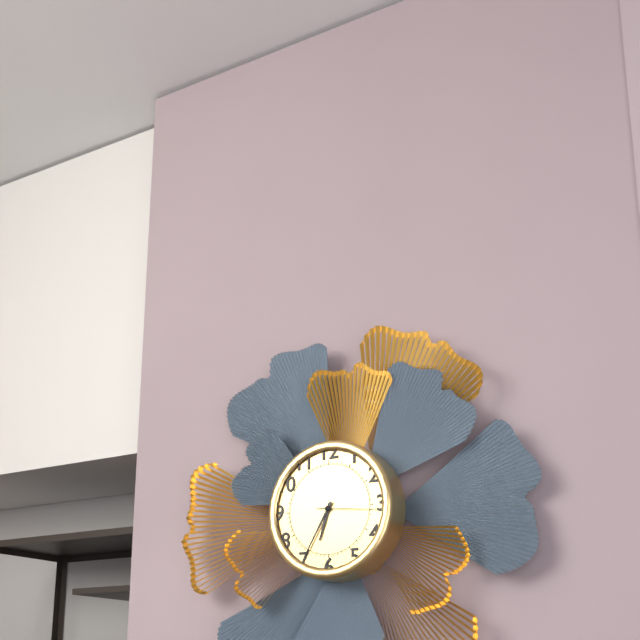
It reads h=6 m=35 s=16
